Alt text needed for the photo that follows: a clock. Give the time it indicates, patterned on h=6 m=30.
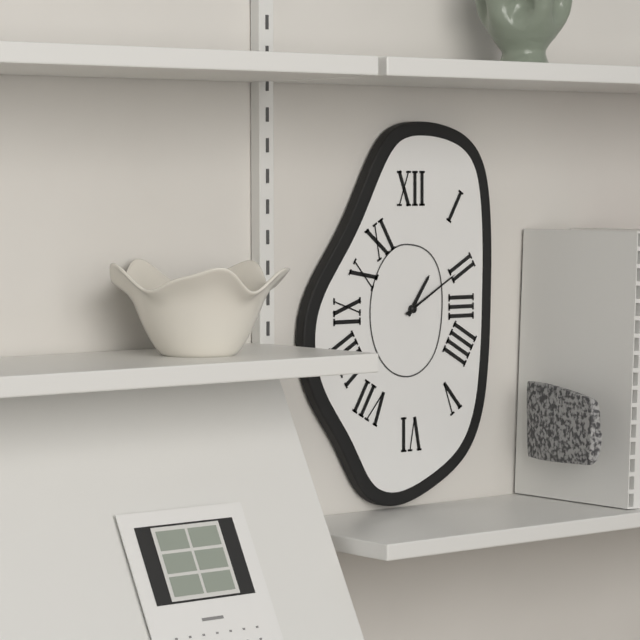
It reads h=1 m=10
